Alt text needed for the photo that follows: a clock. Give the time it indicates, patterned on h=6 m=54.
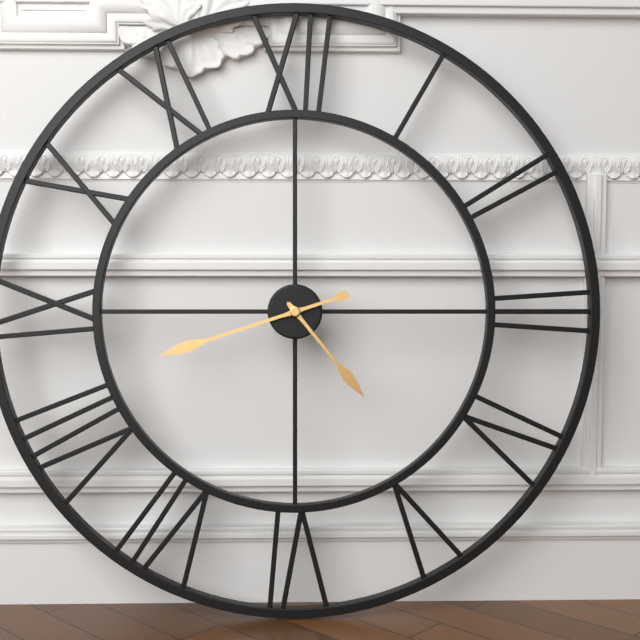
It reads h=4 m=42
